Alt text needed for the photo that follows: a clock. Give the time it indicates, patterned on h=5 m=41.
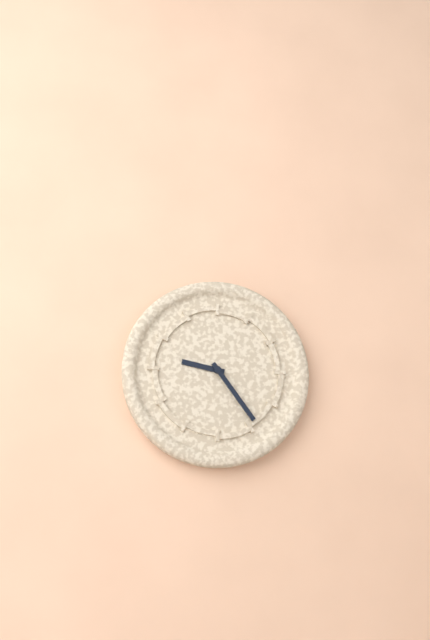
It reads h=9 m=24
